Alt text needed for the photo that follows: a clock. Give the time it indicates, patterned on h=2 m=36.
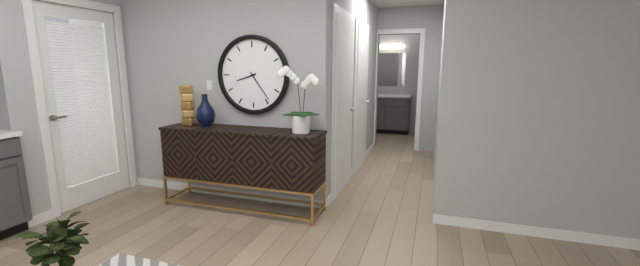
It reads h=8 m=24
